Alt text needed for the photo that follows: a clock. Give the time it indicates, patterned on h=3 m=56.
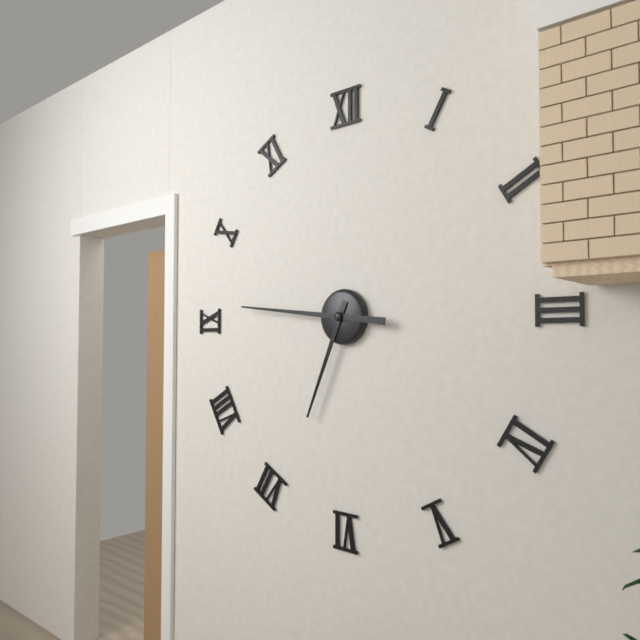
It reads h=6 m=46
